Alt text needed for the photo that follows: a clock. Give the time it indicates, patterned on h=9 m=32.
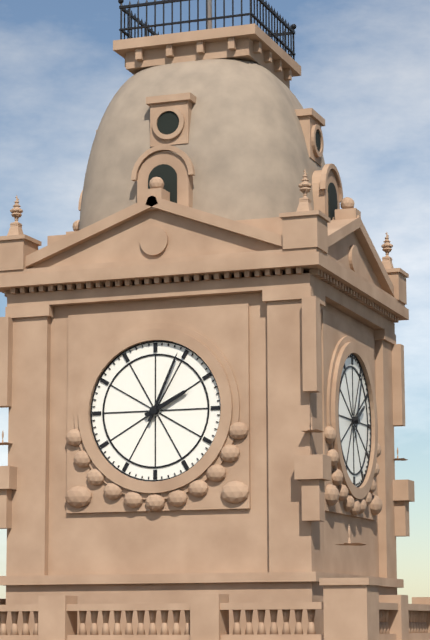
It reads h=2 m=4
